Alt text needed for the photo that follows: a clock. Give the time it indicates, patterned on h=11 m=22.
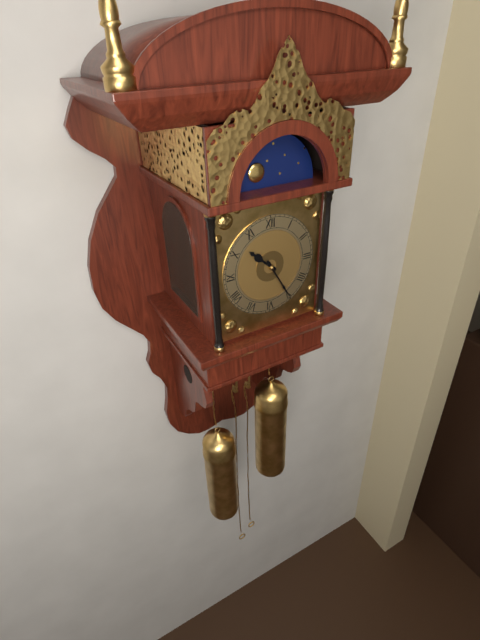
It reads h=10 m=25
